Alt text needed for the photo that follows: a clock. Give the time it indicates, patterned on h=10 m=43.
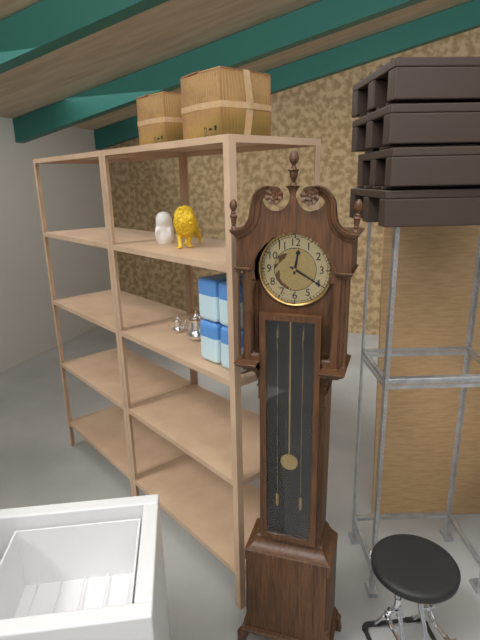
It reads h=12 m=20
